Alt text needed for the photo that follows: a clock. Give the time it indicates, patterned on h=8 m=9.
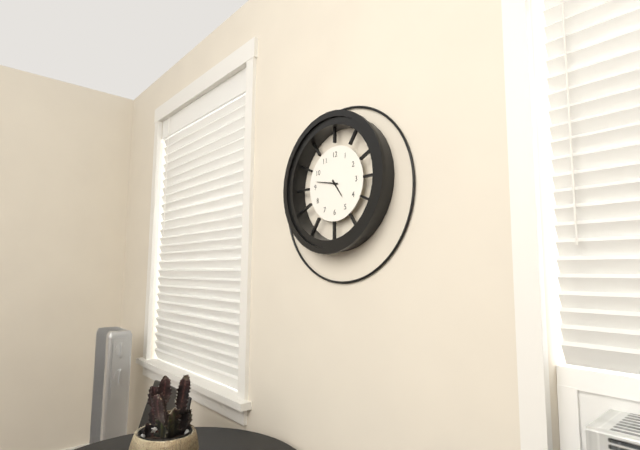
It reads h=4 m=47
